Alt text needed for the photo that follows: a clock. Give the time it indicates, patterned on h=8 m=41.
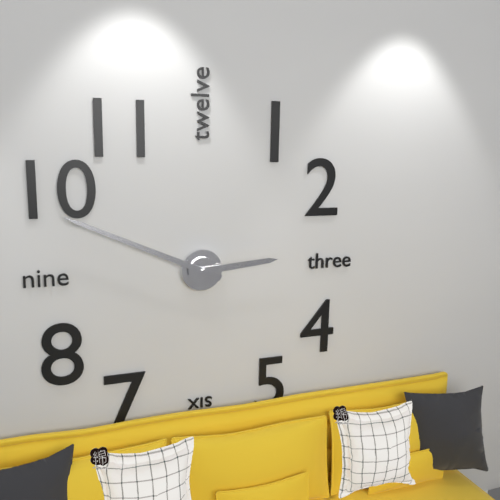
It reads h=2 m=49
